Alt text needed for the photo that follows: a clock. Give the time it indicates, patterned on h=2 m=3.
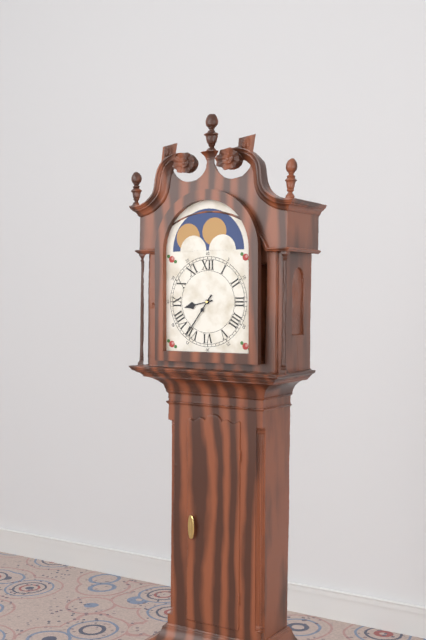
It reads h=8 m=36
